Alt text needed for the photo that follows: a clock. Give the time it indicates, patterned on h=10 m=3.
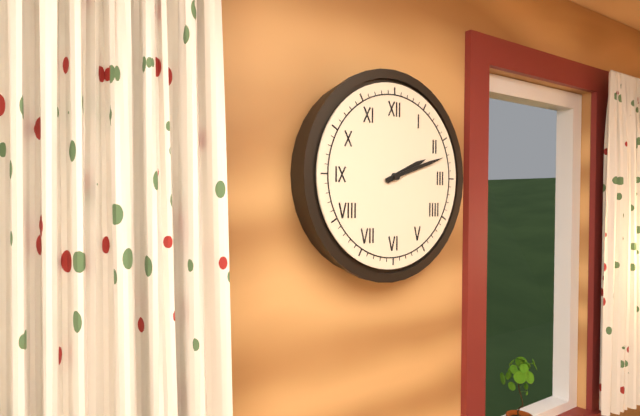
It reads h=2 m=12
